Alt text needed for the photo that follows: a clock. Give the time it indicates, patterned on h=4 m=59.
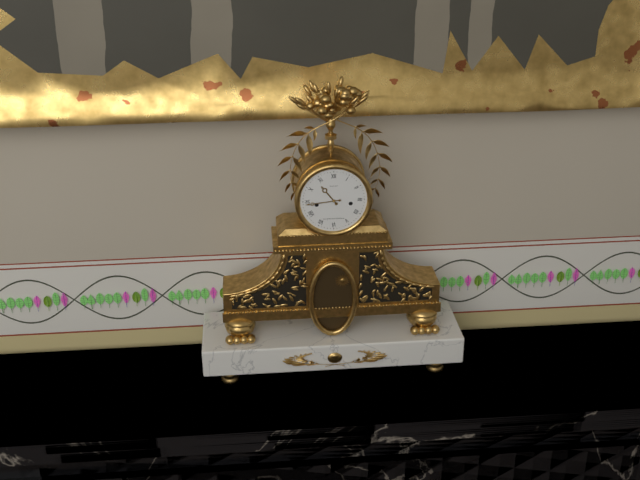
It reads h=10 m=44
